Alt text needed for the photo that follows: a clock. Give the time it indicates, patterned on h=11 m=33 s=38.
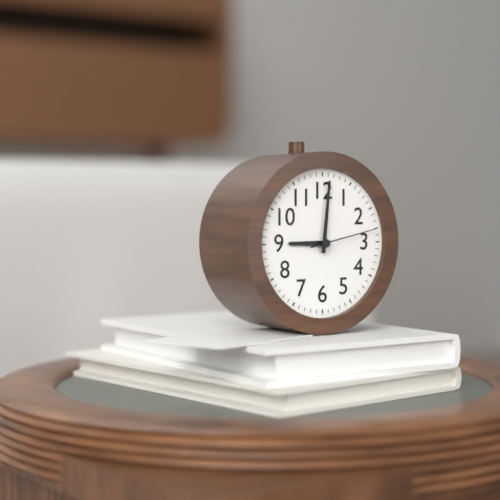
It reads h=9 m=1 s=13
